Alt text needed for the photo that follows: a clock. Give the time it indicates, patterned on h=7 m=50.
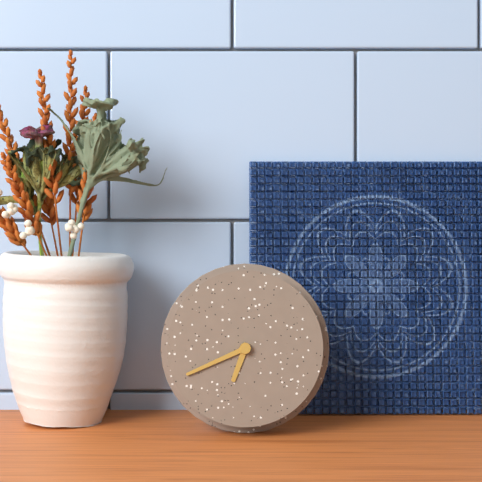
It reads h=6 m=41
